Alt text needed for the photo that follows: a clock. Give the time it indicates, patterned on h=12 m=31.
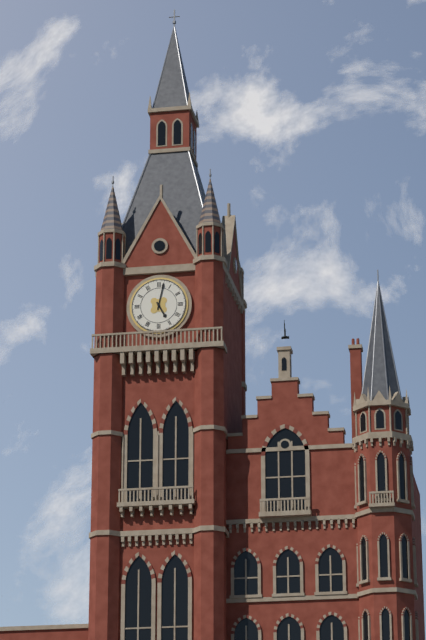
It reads h=5 m=2
